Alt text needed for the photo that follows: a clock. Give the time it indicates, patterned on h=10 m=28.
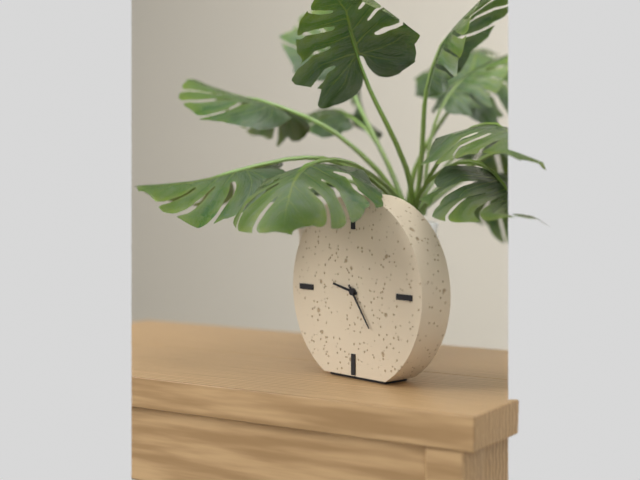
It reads h=9 m=24
